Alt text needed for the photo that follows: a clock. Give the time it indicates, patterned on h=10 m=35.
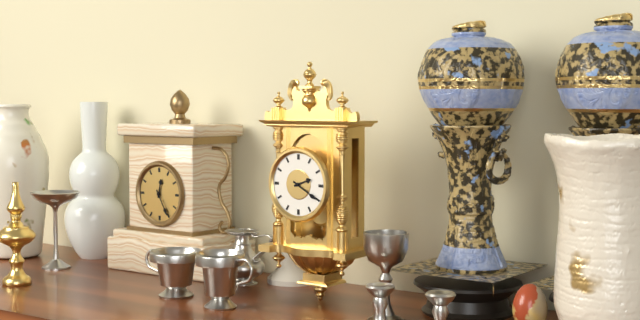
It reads h=2 m=20
